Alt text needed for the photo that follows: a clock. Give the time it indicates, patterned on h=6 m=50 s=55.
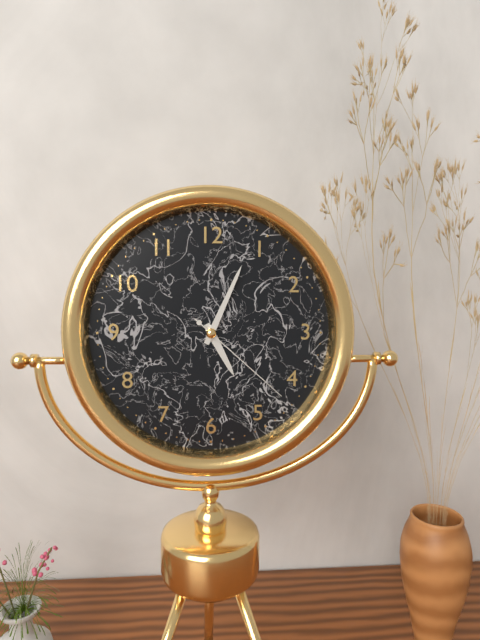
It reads h=5 m=4 s=22
